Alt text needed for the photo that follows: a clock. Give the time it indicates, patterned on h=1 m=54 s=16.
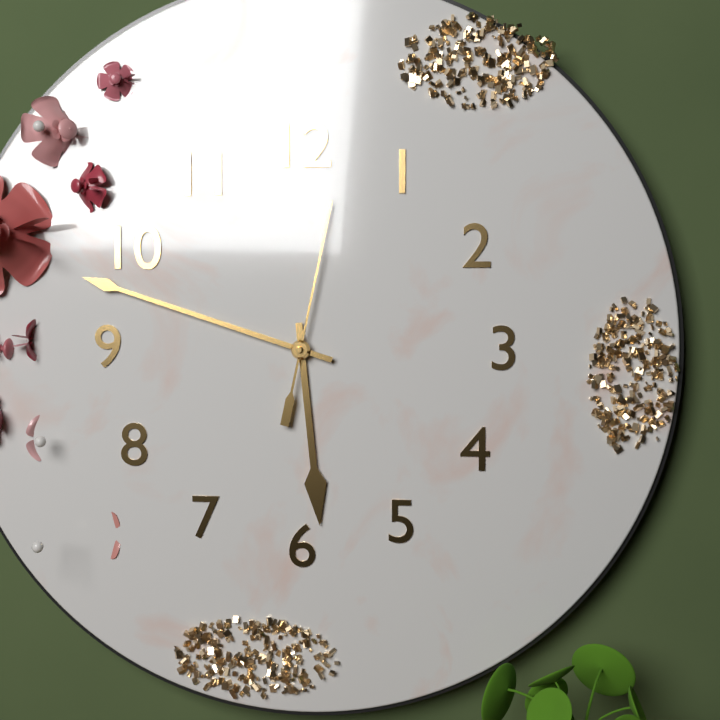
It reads h=5 m=48 s=2
